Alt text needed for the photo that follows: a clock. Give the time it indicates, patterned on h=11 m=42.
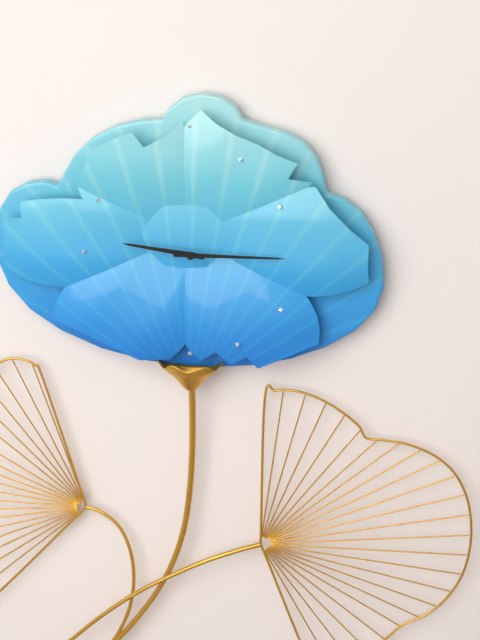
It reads h=9 m=15
